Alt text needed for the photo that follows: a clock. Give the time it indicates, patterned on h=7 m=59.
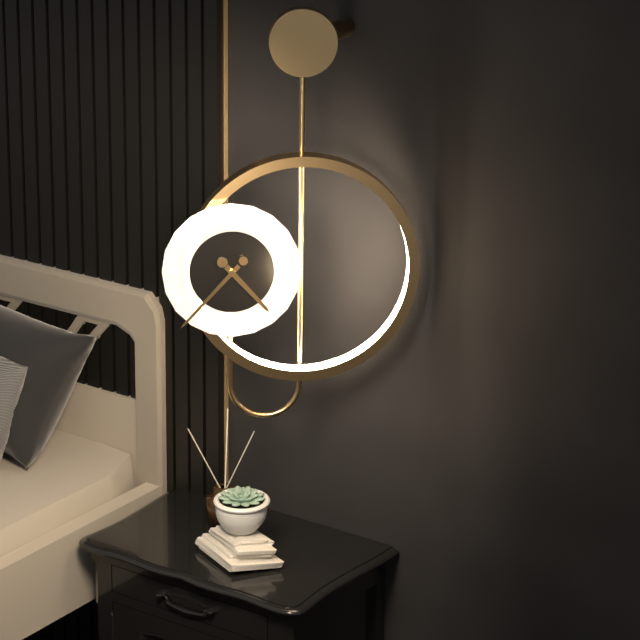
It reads h=4 m=37
